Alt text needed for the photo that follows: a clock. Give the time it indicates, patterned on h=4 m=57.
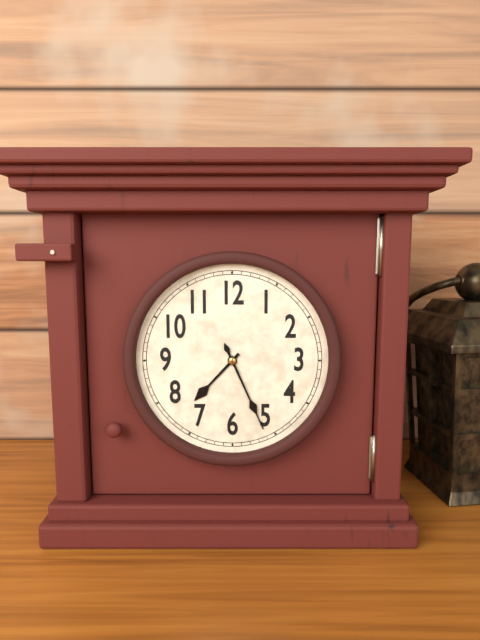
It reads h=7 m=26
